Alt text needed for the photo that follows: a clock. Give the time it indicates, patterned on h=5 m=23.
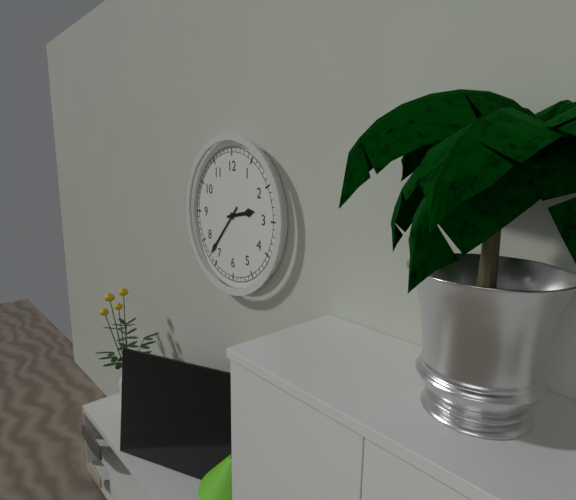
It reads h=2 m=37
